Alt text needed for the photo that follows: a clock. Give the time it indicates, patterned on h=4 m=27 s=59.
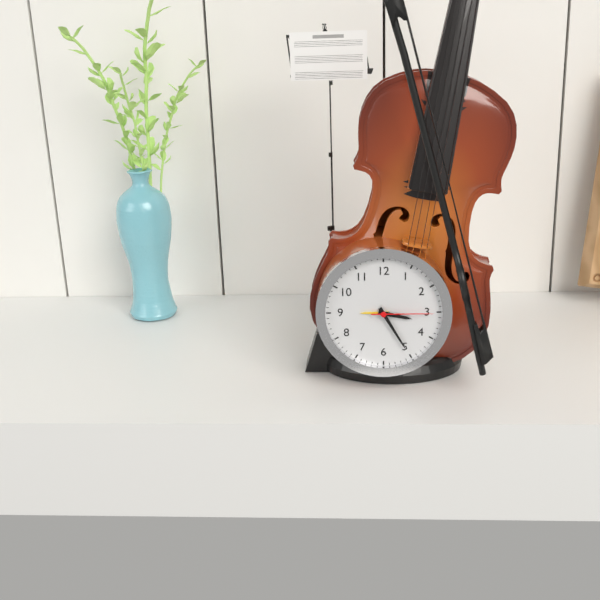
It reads h=3 m=25 s=15
